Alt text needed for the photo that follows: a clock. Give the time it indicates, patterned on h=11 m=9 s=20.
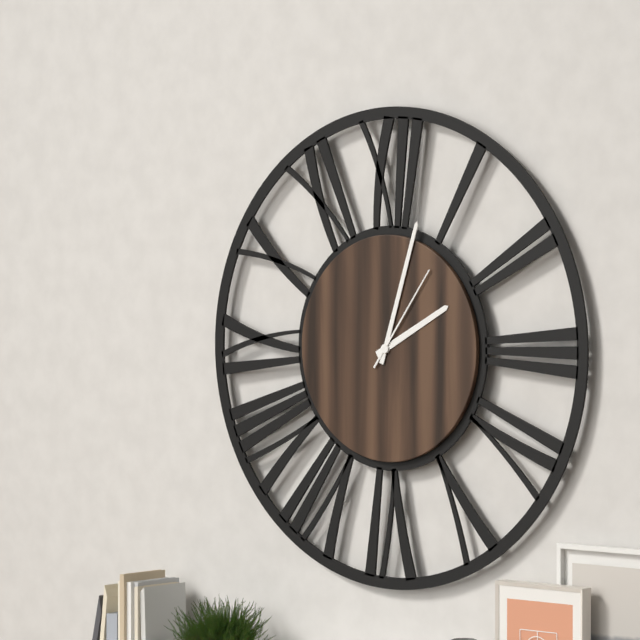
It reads h=2 m=3 s=6
